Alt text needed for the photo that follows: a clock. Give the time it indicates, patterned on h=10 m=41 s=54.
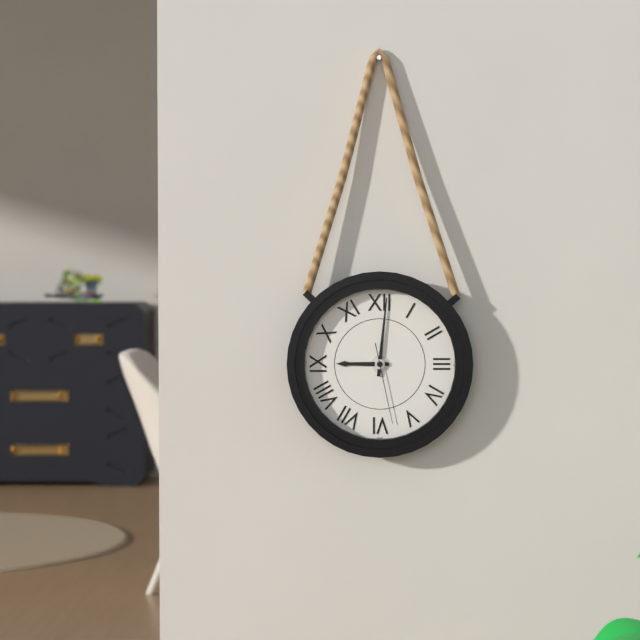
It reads h=9 m=1 s=28
